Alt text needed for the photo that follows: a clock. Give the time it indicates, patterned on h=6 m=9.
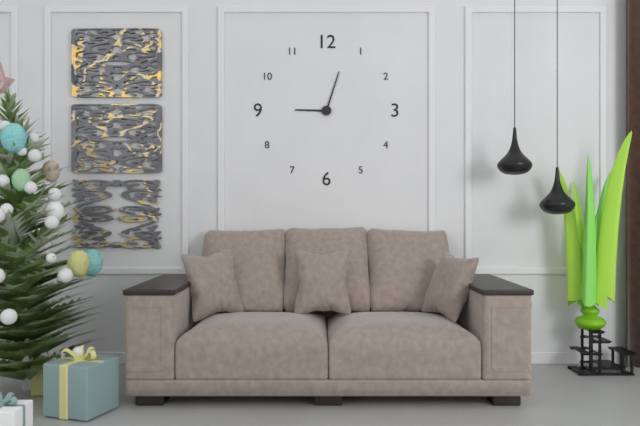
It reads h=9 m=3
